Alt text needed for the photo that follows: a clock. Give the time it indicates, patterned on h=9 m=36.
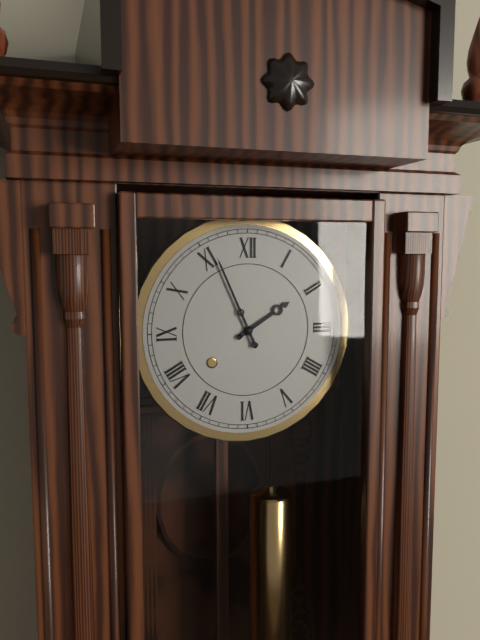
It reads h=1 m=56
